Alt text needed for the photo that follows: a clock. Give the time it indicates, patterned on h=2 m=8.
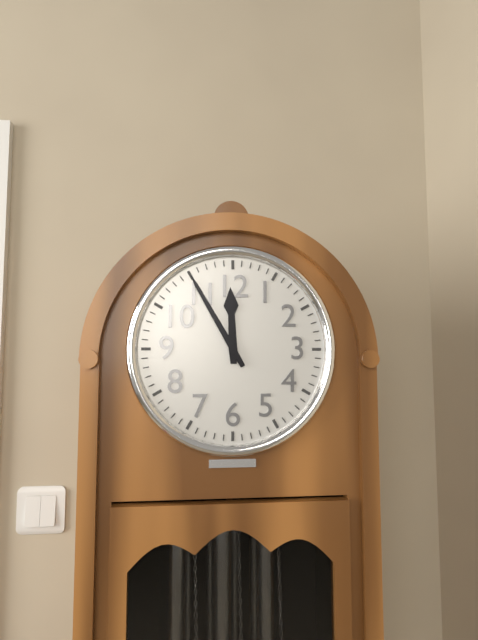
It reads h=11 m=55
